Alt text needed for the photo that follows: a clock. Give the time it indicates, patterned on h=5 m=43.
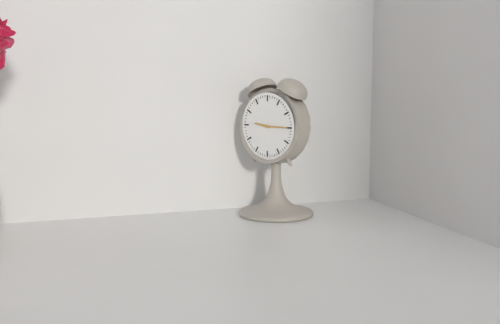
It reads h=9 m=15
